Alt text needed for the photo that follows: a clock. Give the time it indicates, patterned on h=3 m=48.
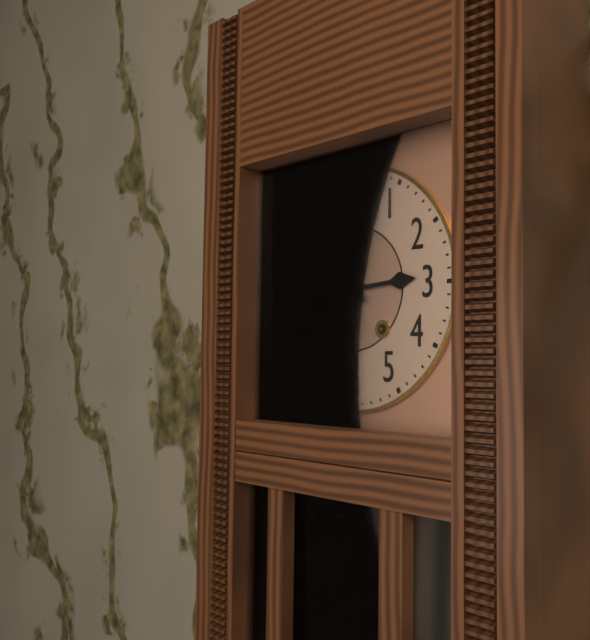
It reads h=2 m=52
